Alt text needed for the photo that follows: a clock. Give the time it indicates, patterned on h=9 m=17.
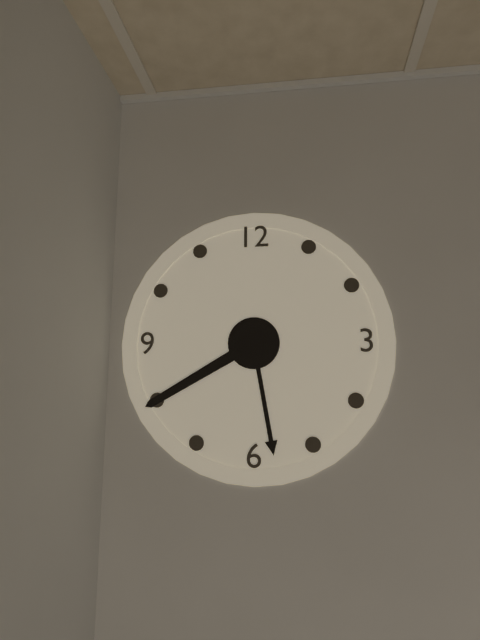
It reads h=5 m=40
